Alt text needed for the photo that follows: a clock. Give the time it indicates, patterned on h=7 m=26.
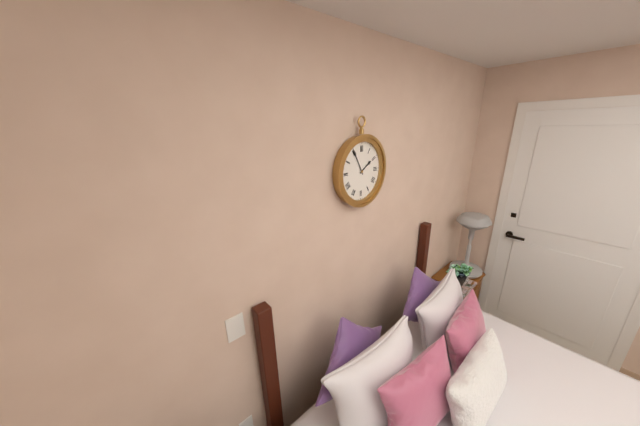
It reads h=1 m=55
